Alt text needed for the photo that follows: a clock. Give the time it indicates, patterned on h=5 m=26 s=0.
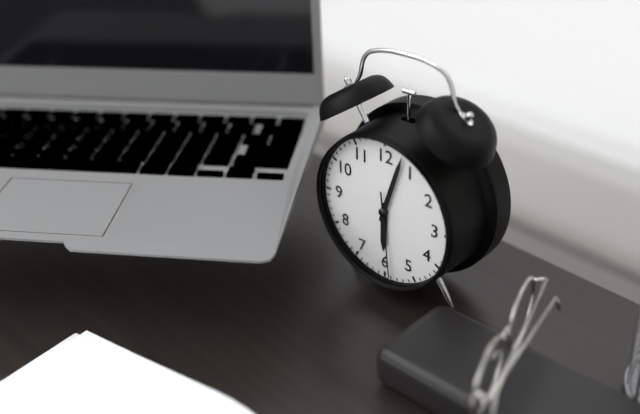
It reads h=6 m=3 s=29
